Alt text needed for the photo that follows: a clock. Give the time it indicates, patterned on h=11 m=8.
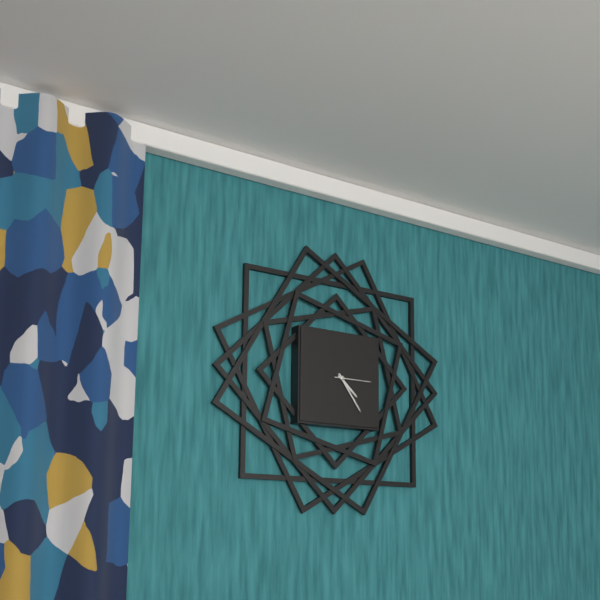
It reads h=4 m=24
